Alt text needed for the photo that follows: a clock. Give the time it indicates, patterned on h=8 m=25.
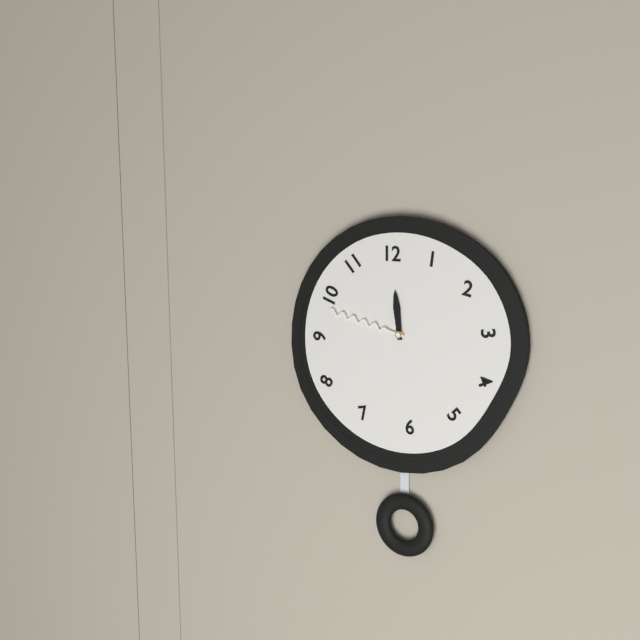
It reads h=11 m=47
